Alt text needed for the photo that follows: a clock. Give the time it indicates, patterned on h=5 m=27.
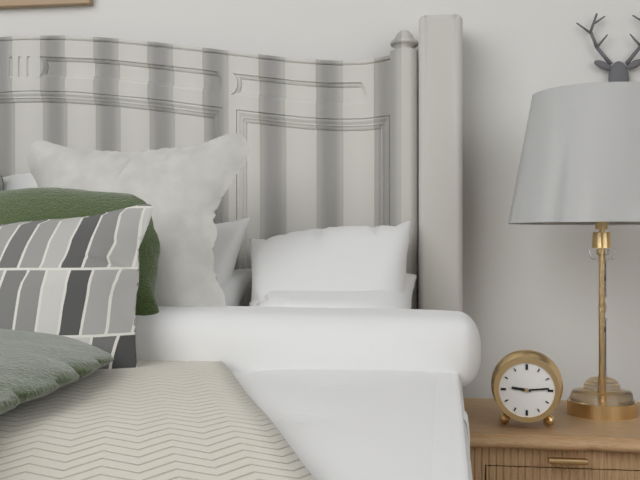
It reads h=9 m=14
